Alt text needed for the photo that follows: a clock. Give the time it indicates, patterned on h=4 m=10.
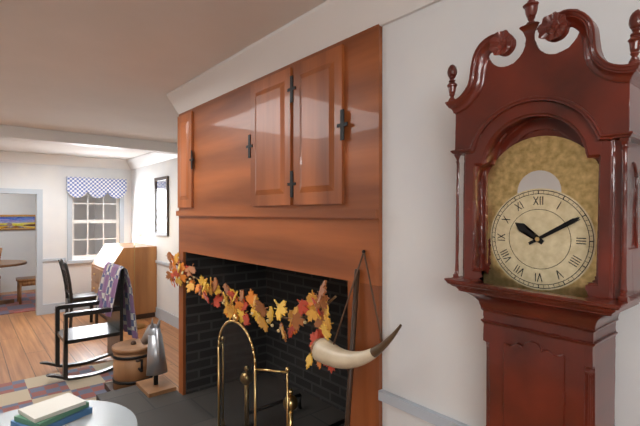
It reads h=10 m=10
